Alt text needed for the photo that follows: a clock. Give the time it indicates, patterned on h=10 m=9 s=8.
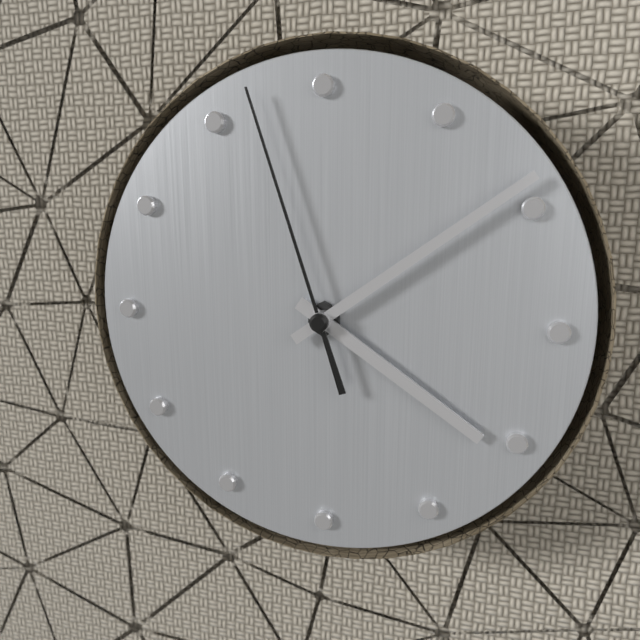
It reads h=4 m=9 s=57
